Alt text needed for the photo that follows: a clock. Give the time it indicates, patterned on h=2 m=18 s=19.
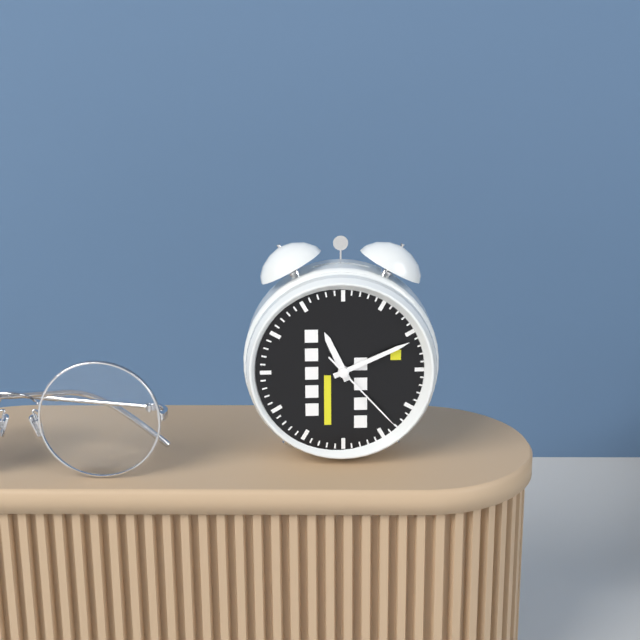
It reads h=11 m=11 s=23
